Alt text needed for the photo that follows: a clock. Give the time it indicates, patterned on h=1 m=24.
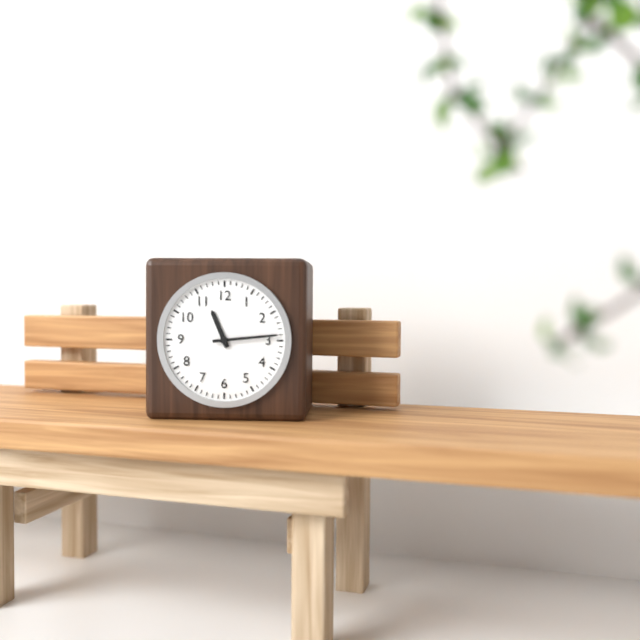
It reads h=11 m=14
